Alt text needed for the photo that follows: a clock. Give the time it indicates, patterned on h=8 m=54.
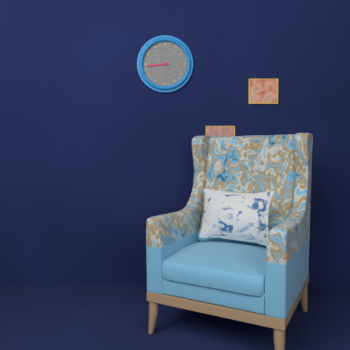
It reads h=8 m=44
